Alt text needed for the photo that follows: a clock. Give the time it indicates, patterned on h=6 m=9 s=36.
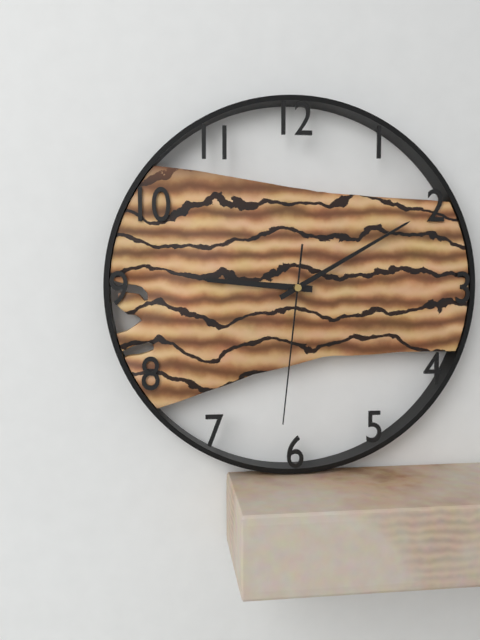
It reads h=9 m=10 s=31
